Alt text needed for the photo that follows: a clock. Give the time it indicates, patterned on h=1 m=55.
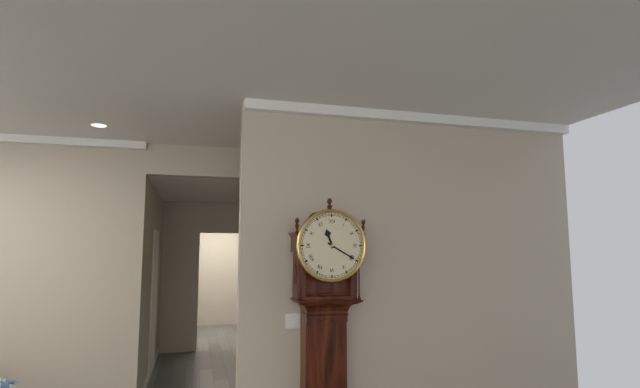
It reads h=11 m=20
